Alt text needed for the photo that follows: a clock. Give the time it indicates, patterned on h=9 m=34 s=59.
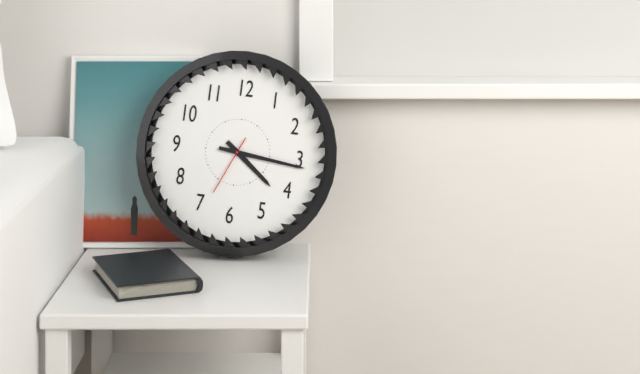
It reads h=4 m=16 s=34
